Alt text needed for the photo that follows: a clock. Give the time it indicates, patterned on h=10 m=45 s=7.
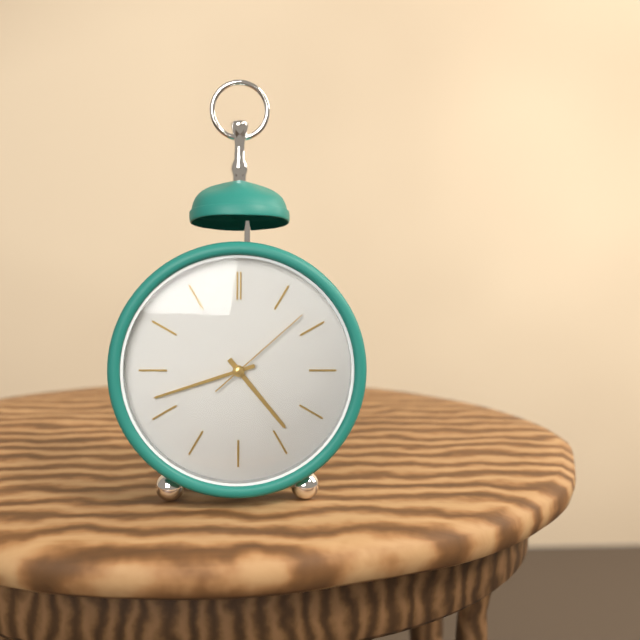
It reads h=4 m=42 s=8
